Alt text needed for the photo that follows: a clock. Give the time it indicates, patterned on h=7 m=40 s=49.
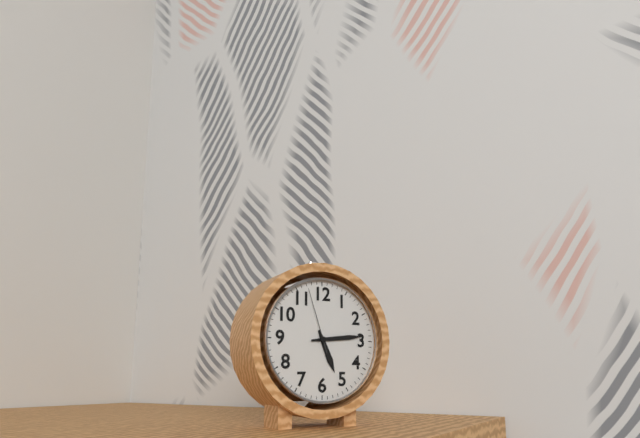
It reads h=5 m=14 s=57
